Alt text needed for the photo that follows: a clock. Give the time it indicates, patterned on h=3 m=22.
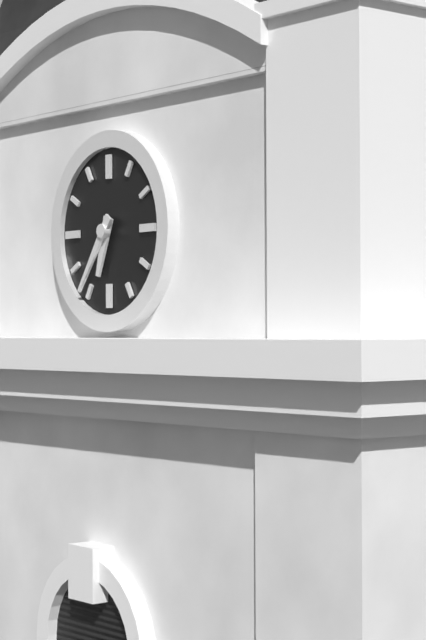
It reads h=6 m=36
